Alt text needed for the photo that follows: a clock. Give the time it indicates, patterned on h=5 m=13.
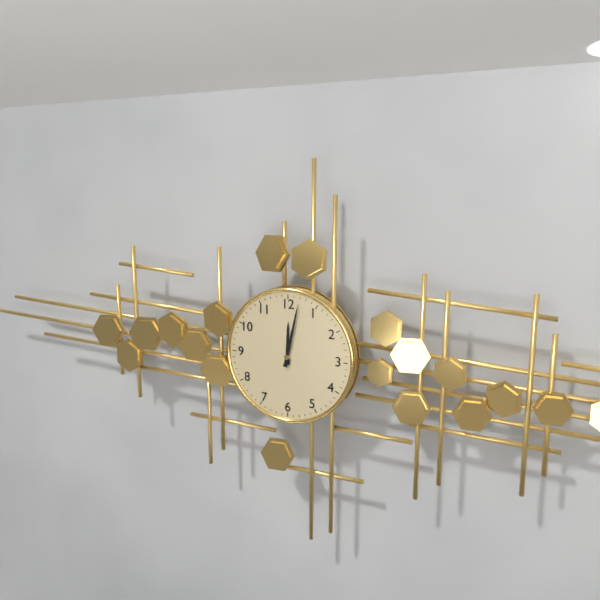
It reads h=12 m=2
